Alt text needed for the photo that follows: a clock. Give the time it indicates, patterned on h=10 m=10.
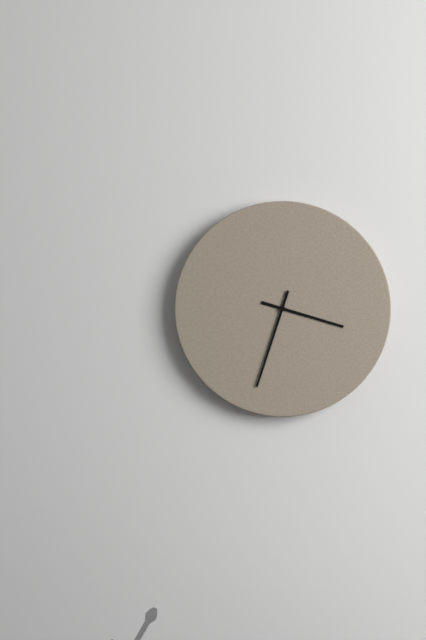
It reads h=3 m=33
